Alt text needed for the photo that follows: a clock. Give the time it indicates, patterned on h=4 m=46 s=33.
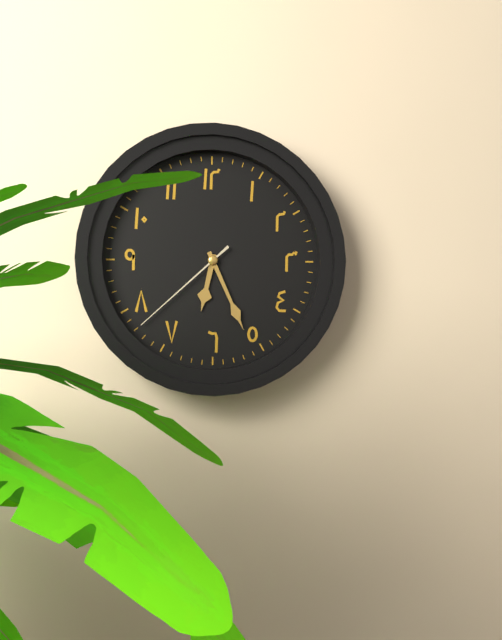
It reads h=6 m=26 s=38
